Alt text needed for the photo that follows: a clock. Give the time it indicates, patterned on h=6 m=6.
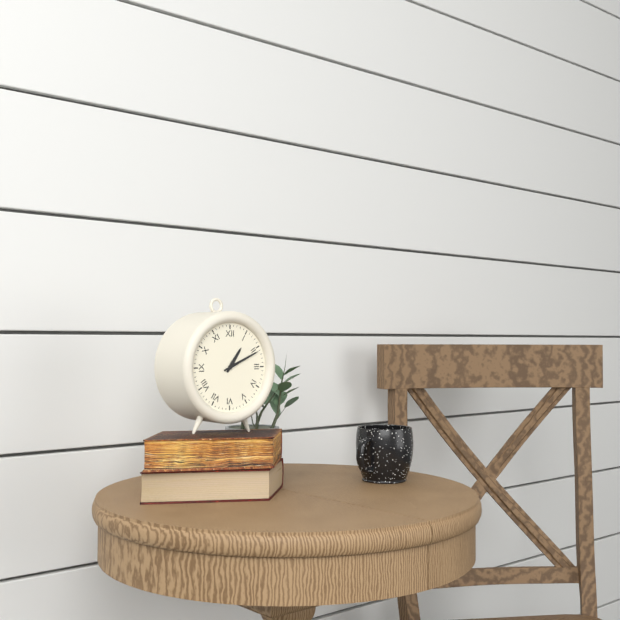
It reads h=1 m=11
